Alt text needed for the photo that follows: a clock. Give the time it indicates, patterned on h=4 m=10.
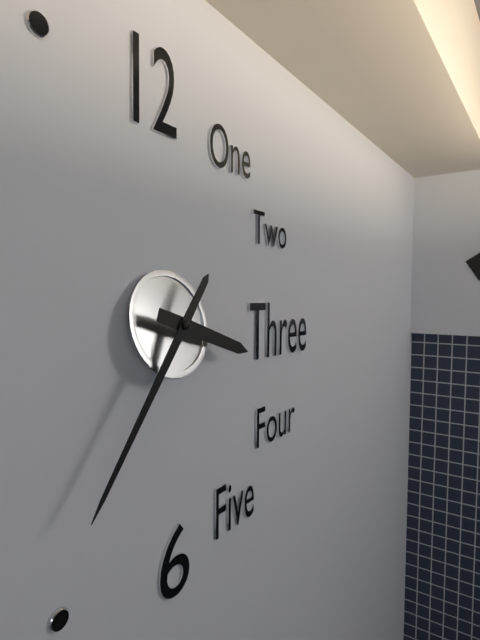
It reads h=3 m=36
